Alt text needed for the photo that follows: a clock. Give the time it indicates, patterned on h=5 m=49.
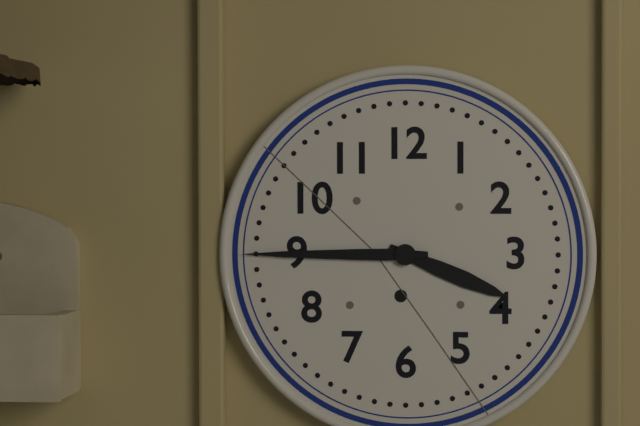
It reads h=3 m=45
